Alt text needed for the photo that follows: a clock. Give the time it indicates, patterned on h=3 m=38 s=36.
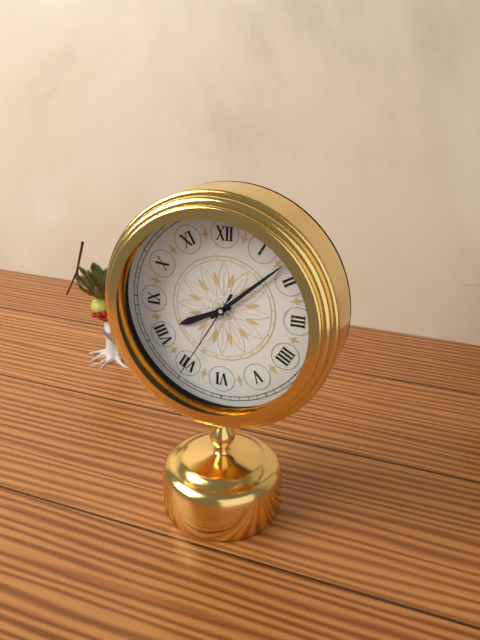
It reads h=8 m=8 s=35
